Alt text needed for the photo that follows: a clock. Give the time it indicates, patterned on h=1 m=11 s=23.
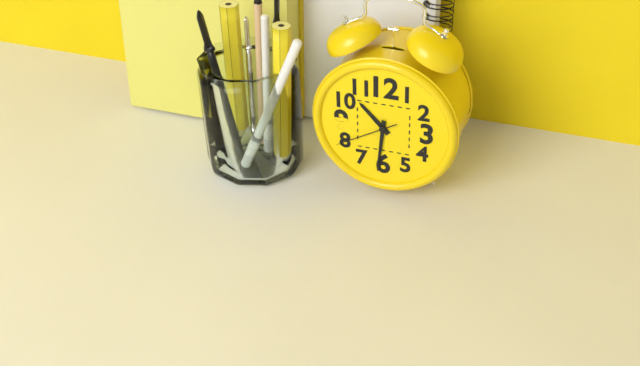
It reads h=10 m=31 s=40
